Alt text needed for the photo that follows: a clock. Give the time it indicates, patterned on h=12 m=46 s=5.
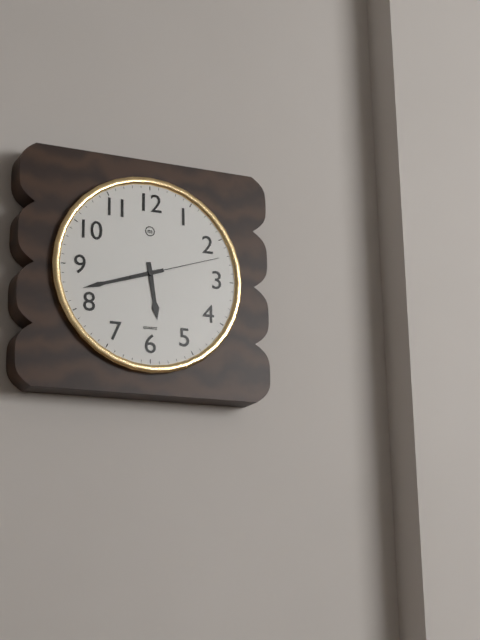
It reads h=5 m=42 s=12
